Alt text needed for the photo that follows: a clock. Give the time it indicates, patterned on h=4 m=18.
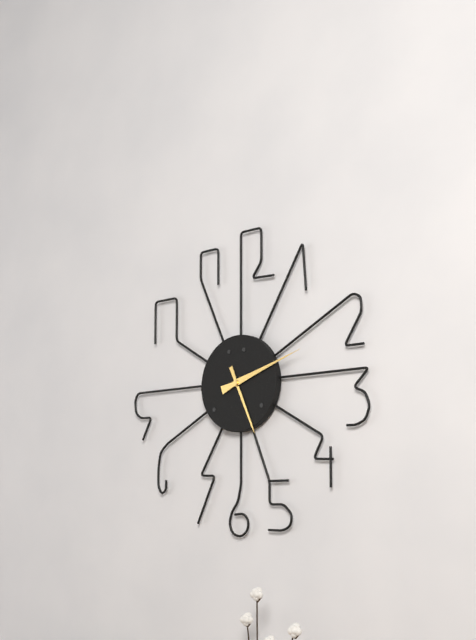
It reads h=5 m=12
